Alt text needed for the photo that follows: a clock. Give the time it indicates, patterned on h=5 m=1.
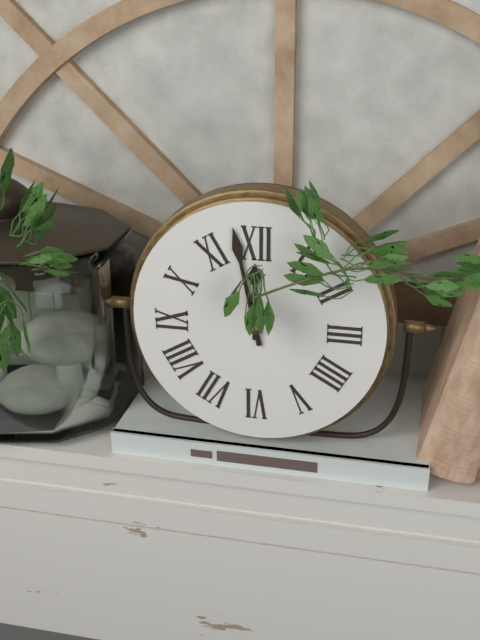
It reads h=11 m=58
